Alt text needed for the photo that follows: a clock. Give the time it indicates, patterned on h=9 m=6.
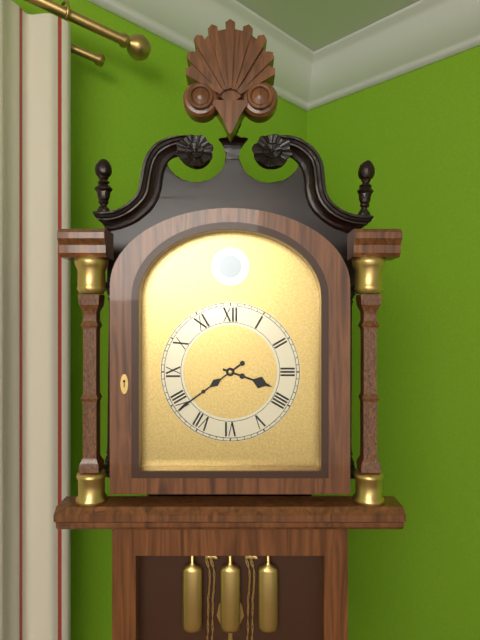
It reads h=3 m=39
